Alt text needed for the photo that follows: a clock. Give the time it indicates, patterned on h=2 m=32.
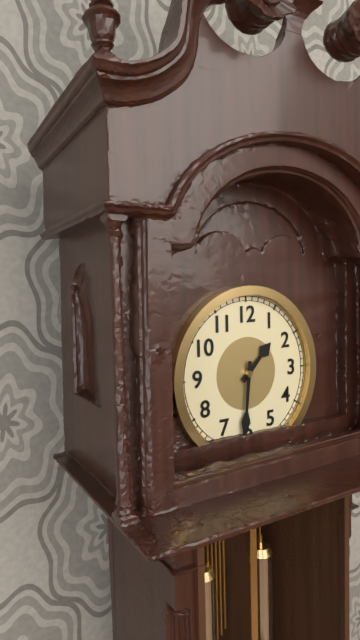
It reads h=1 m=31
